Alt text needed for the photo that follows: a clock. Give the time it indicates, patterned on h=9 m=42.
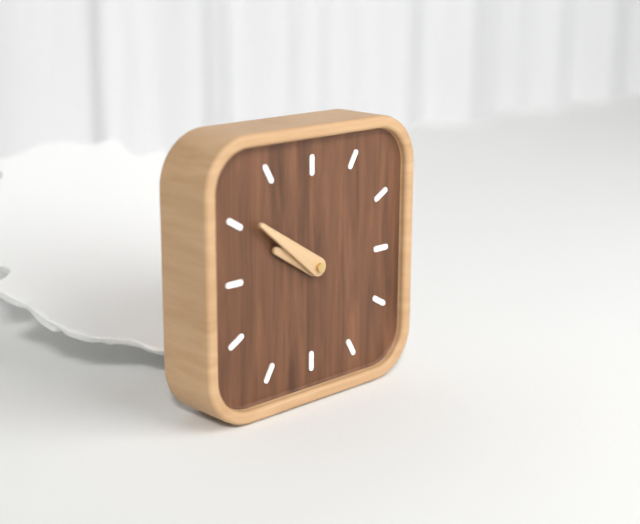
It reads h=9 m=51
